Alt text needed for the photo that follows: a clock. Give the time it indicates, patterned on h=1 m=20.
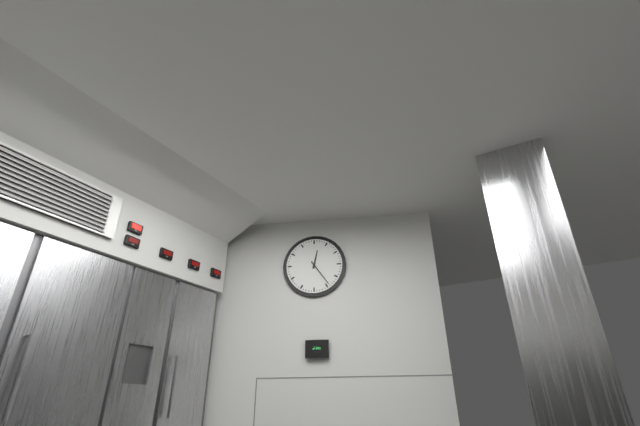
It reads h=12 m=24
